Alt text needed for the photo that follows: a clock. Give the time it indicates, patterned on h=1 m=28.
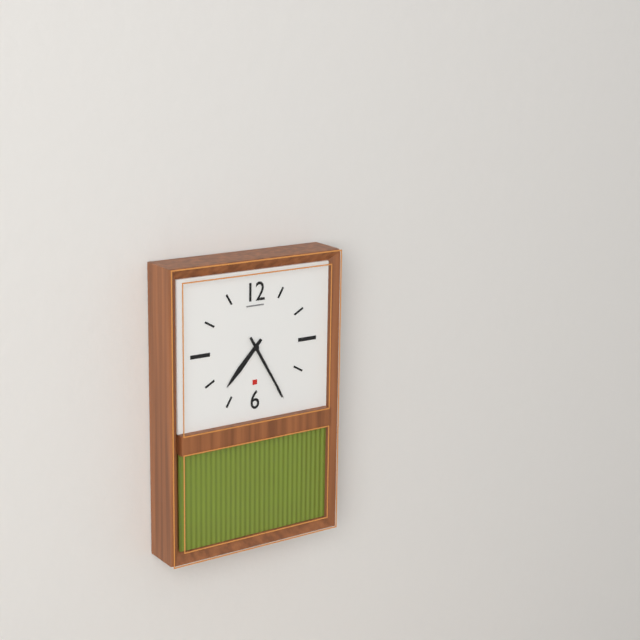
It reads h=7 m=25
